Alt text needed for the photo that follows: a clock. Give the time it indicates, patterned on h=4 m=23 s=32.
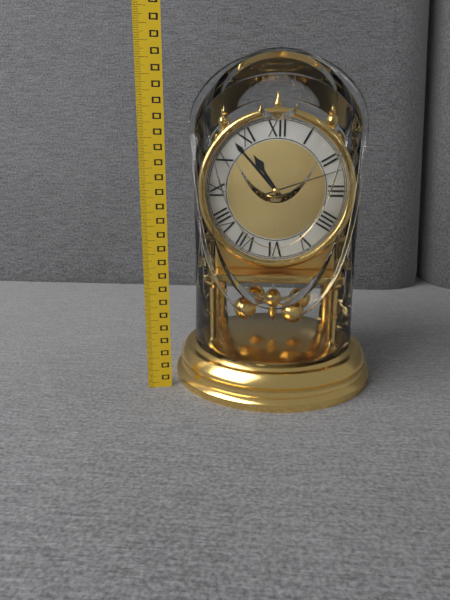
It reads h=10 m=53 s=12
